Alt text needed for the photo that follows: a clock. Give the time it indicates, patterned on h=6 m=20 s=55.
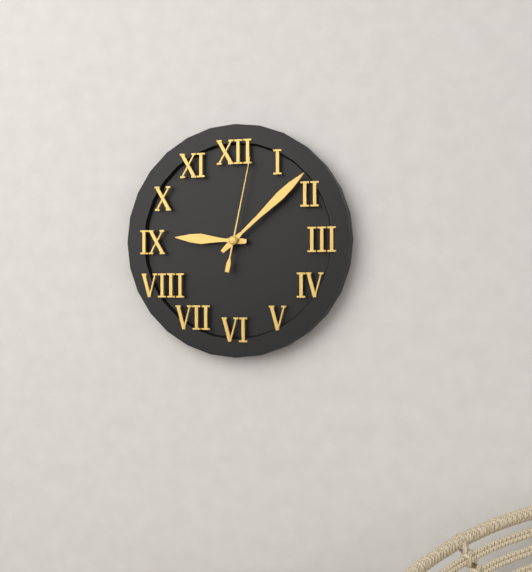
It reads h=9 m=8 s=2
